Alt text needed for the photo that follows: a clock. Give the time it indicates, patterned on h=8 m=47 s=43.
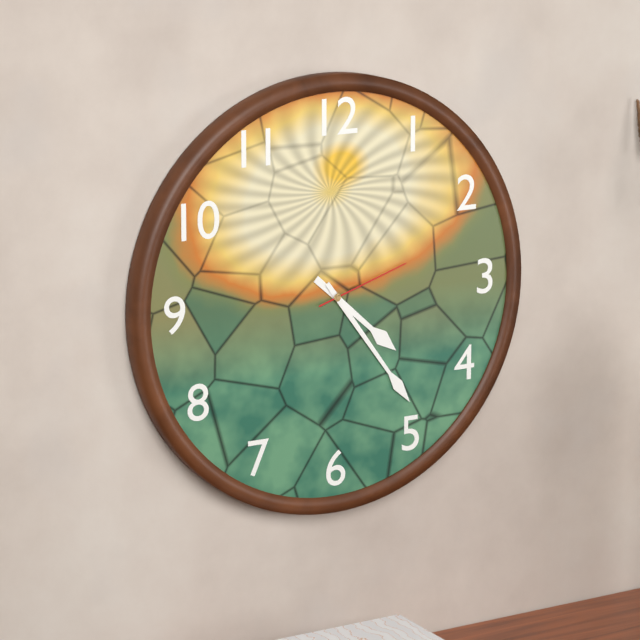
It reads h=4 m=24 s=12
